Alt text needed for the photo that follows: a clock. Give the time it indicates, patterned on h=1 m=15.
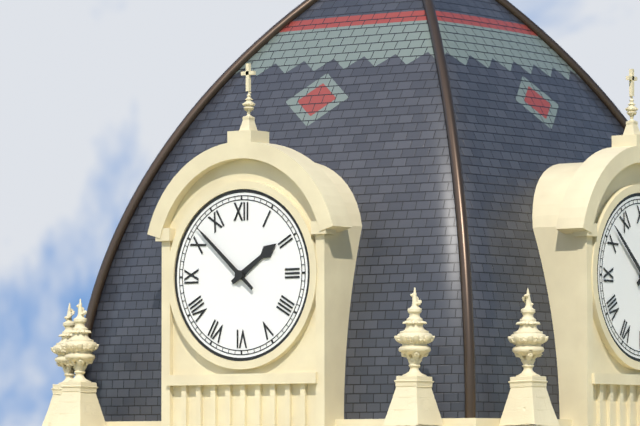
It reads h=1 m=52
